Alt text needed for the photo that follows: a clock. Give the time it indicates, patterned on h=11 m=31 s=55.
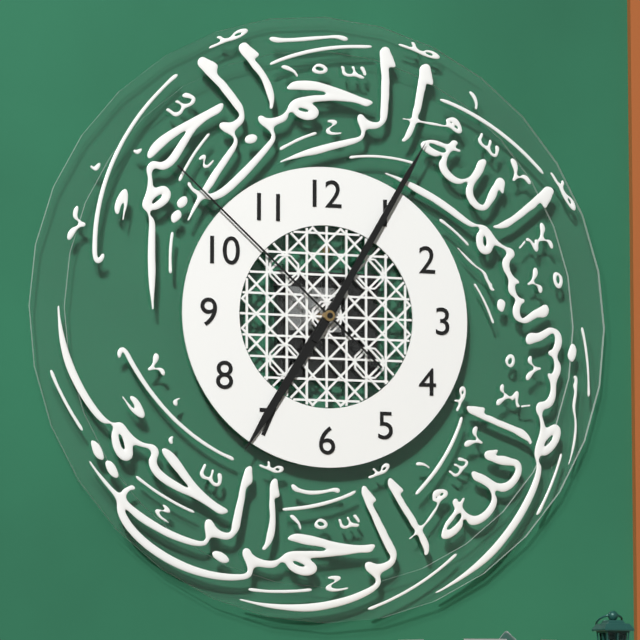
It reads h=7 m=5 s=52
